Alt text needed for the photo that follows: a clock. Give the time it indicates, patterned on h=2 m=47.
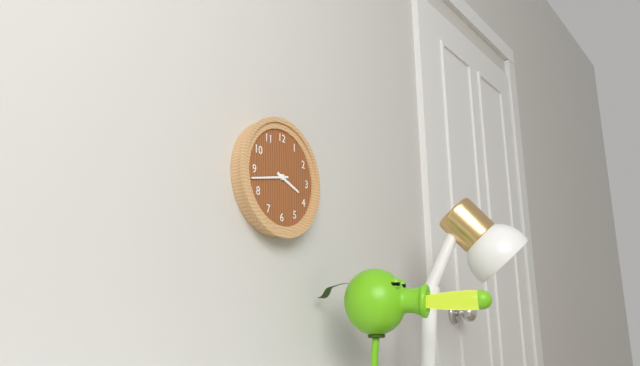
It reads h=3 m=43
